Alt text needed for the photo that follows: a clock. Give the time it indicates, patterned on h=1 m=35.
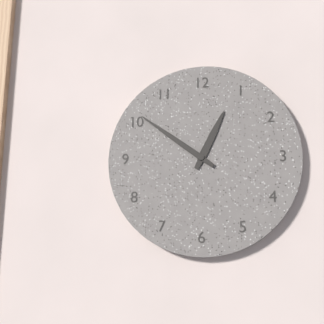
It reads h=12 m=51
